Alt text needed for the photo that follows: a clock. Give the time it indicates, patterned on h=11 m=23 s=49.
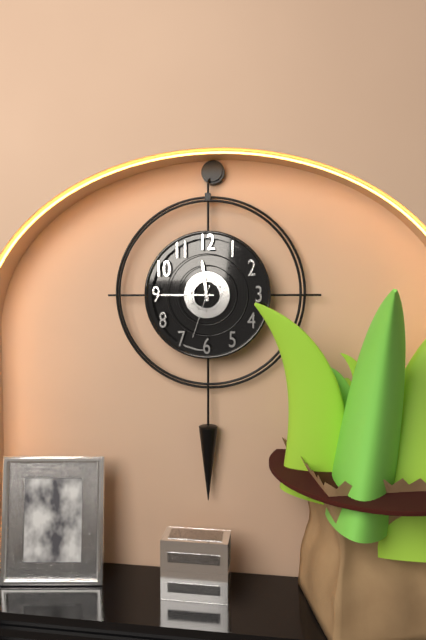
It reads h=11 m=45 s=33
